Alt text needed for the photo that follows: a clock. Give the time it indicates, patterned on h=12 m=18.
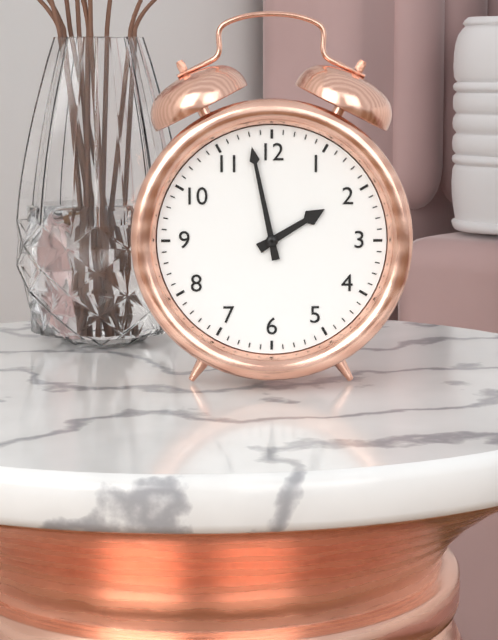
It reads h=1 m=58
